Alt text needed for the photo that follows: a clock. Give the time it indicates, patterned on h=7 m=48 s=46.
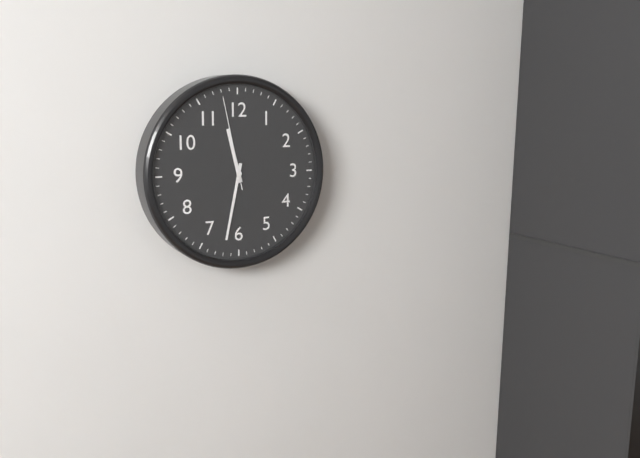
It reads h=11 m=32 s=58
